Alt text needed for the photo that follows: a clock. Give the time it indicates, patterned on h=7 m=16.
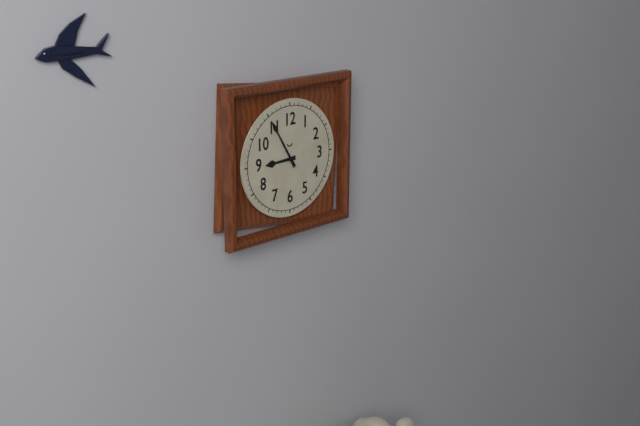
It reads h=8 m=55
